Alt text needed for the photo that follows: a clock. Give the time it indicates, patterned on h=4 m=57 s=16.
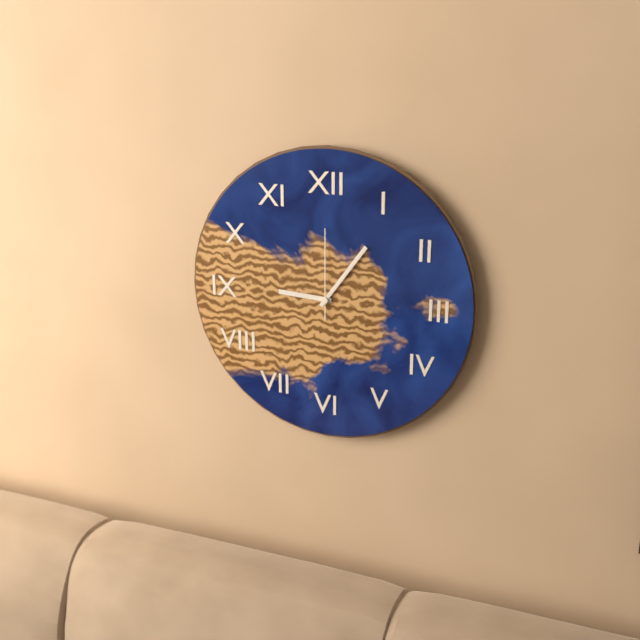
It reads h=9 m=6 s=0
